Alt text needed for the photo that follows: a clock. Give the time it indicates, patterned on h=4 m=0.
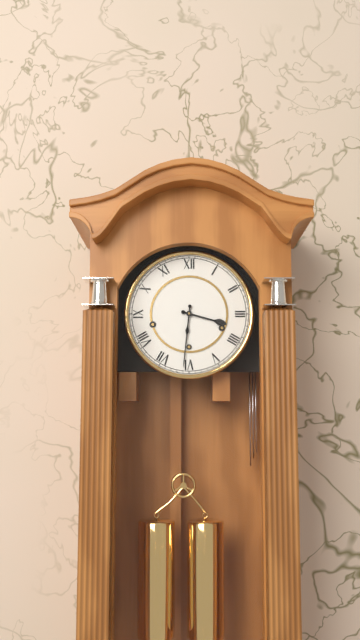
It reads h=3 m=31
